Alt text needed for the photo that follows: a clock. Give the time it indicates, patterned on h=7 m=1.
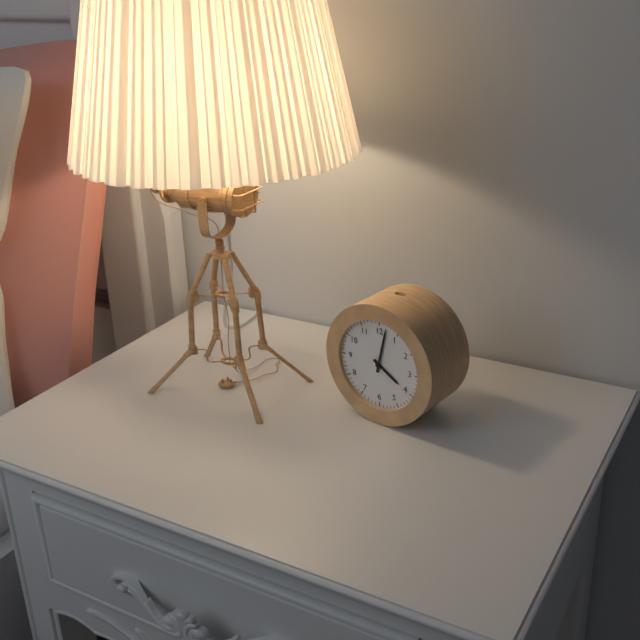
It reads h=4 m=2
